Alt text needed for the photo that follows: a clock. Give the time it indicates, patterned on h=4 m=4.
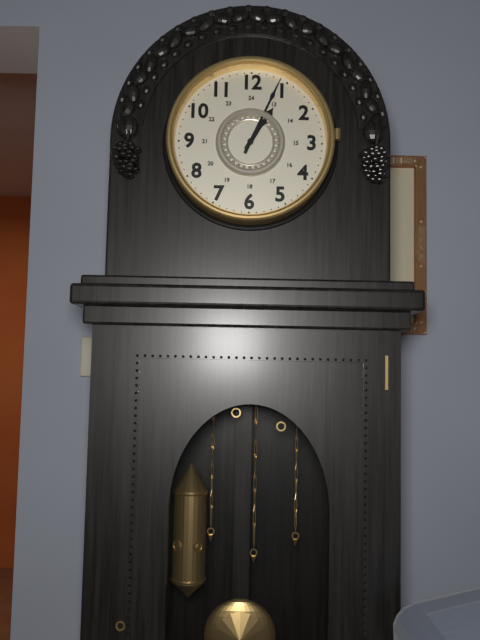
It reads h=1 m=4
